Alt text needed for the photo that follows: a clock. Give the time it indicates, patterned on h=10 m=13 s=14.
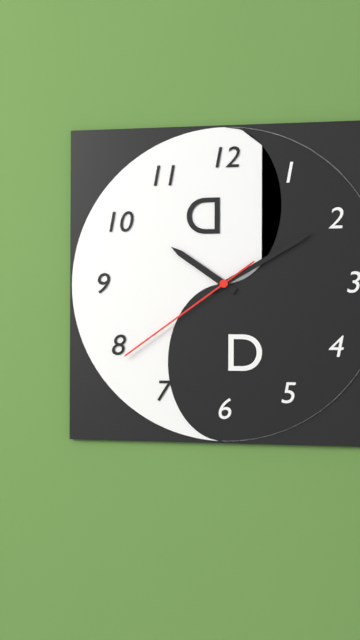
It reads h=10 m=10 s=39
